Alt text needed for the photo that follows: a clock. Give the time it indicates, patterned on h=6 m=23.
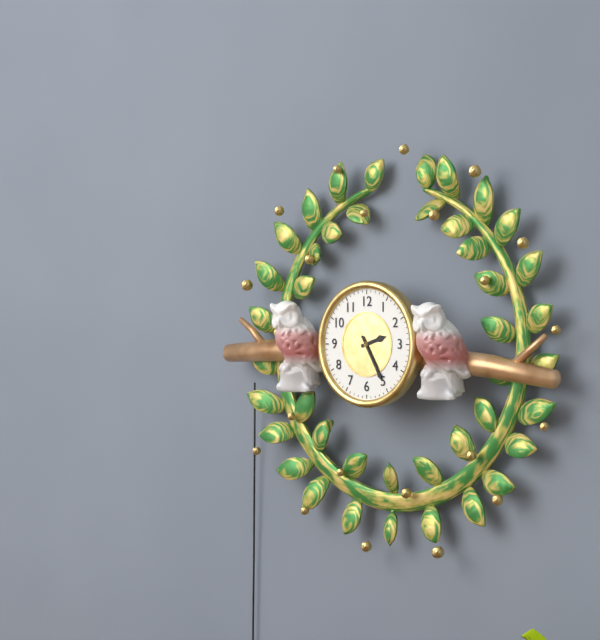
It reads h=2 m=25
